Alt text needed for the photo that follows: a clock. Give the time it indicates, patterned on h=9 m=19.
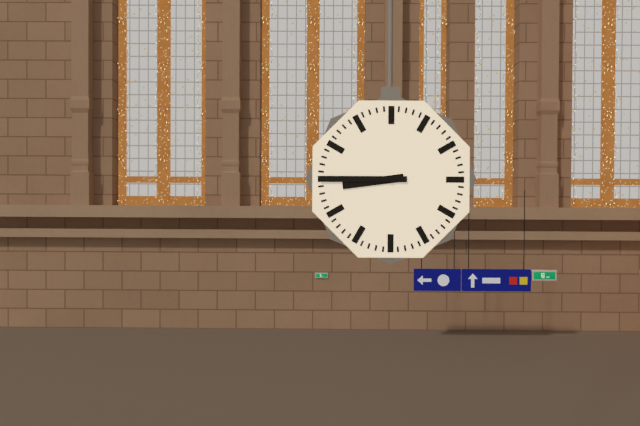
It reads h=8 m=45
